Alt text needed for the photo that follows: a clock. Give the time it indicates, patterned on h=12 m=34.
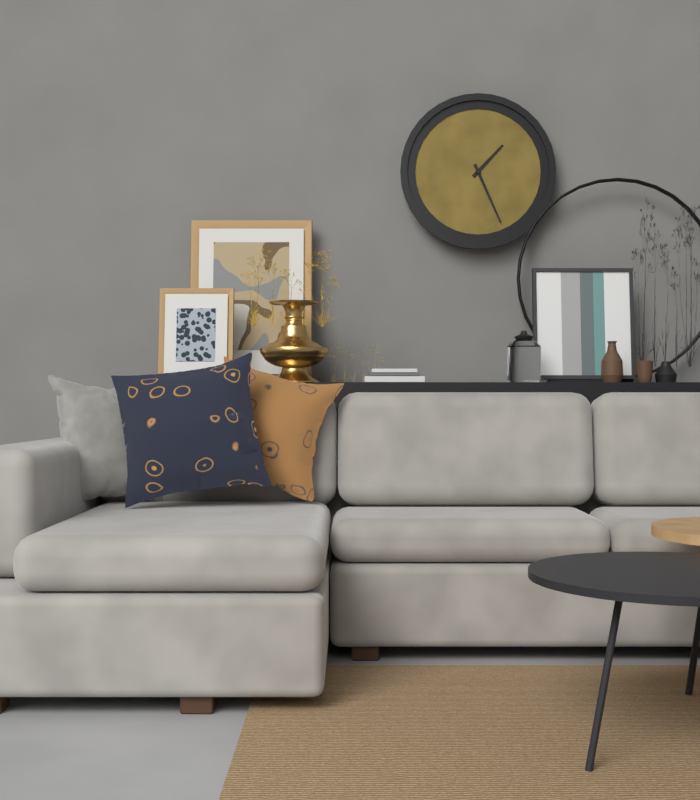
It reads h=1 m=26
